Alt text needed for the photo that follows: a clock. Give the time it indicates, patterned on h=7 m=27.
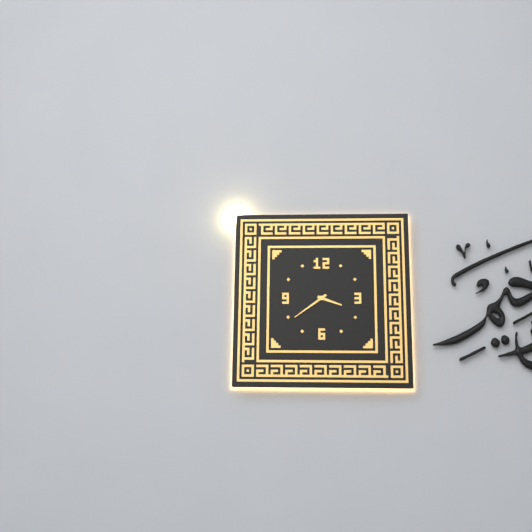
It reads h=3 m=39
